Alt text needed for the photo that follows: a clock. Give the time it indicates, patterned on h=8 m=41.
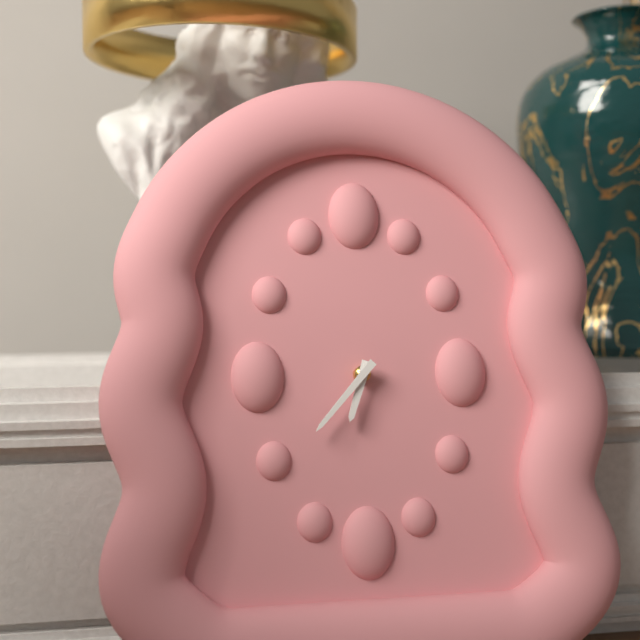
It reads h=6 m=37
